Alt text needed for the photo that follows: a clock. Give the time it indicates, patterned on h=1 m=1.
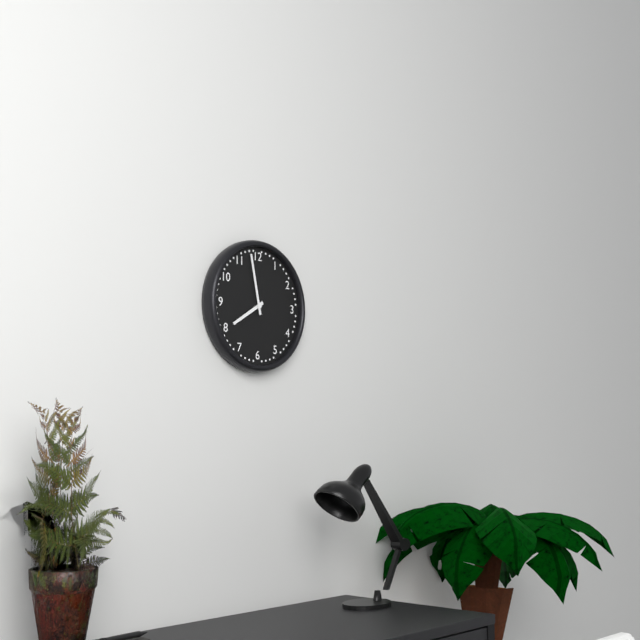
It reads h=7 m=58
